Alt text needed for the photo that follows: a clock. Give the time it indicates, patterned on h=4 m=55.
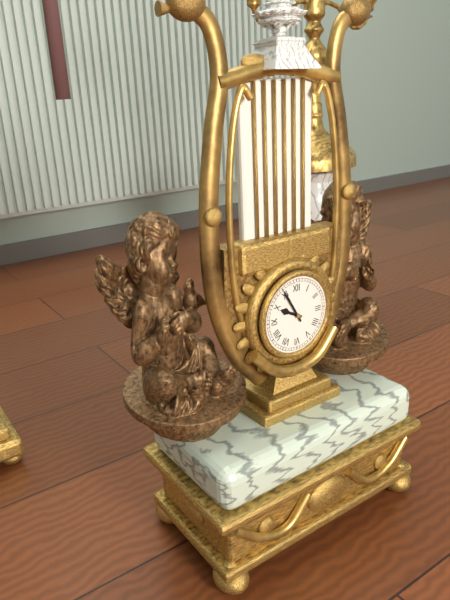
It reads h=9 m=55
